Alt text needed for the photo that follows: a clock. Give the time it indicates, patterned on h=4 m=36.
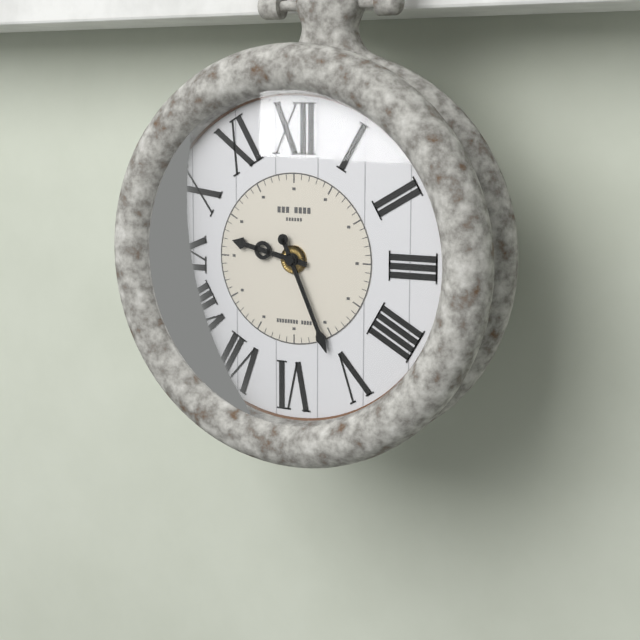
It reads h=9 m=26
